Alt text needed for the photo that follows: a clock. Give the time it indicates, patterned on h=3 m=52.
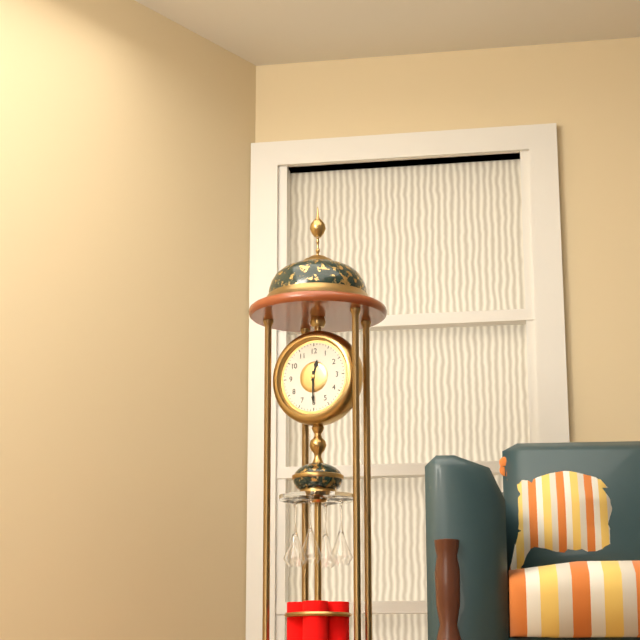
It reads h=12 m=30
